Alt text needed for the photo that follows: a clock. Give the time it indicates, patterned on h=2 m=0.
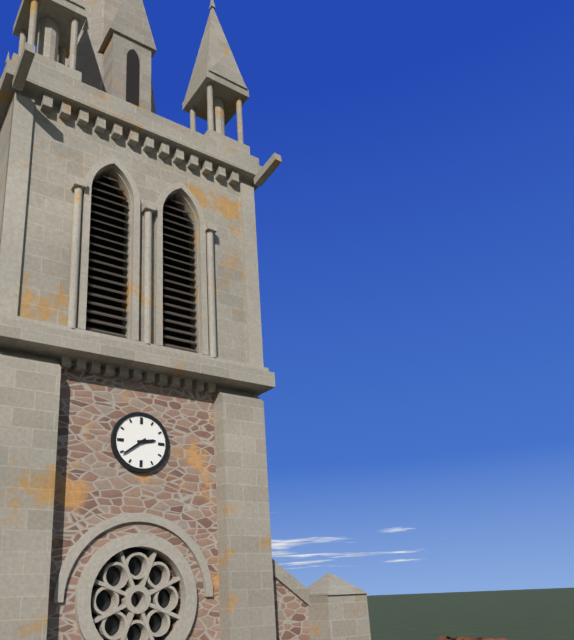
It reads h=2 m=39
